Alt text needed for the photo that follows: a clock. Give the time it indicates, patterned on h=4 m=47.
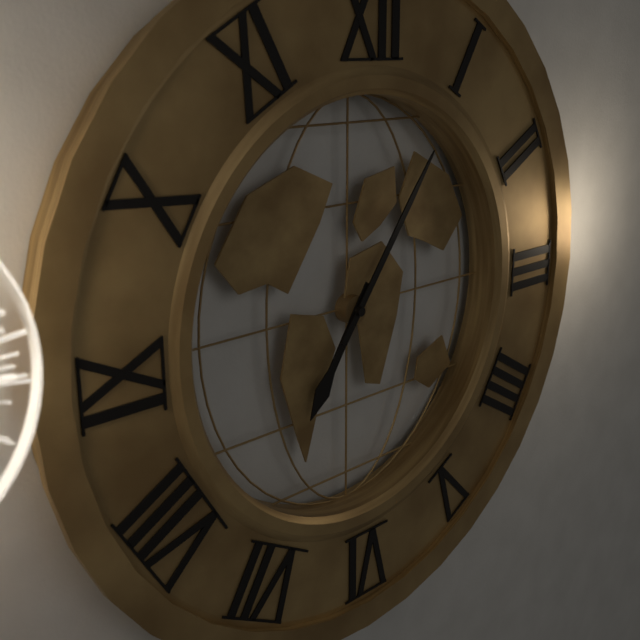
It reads h=7 m=6
